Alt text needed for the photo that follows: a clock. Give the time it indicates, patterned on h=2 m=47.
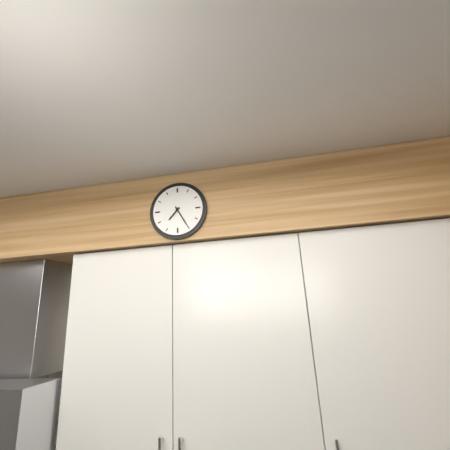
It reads h=7 m=25
